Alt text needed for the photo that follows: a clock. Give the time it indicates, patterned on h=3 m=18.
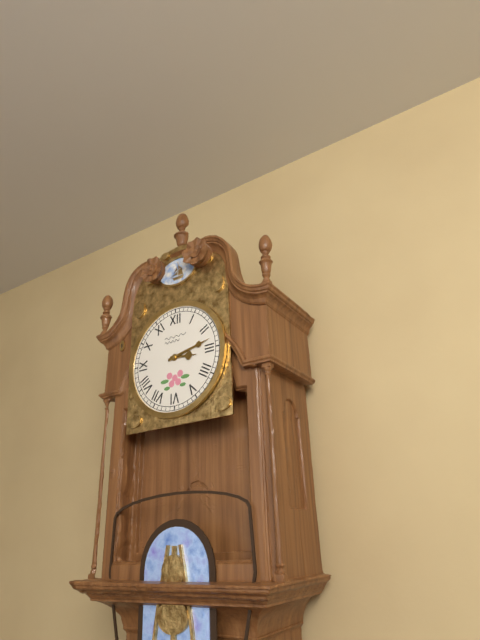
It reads h=3 m=13
